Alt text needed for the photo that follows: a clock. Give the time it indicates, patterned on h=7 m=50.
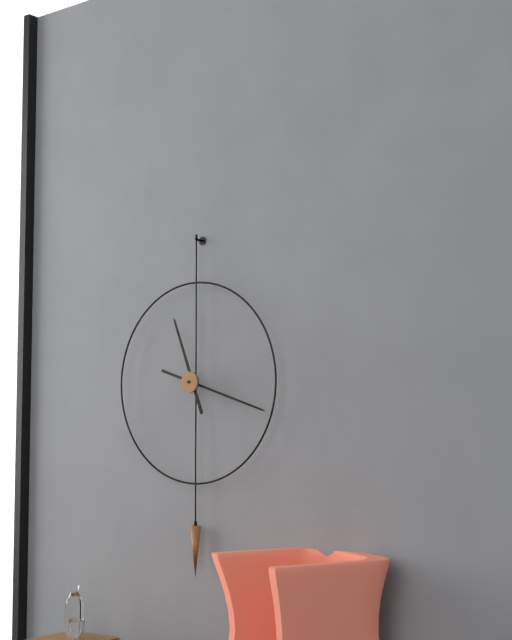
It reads h=11 m=18
